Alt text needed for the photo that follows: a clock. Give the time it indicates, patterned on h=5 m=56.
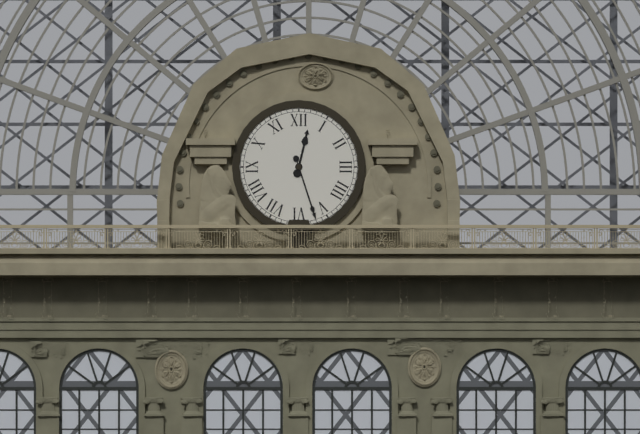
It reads h=12 m=27
